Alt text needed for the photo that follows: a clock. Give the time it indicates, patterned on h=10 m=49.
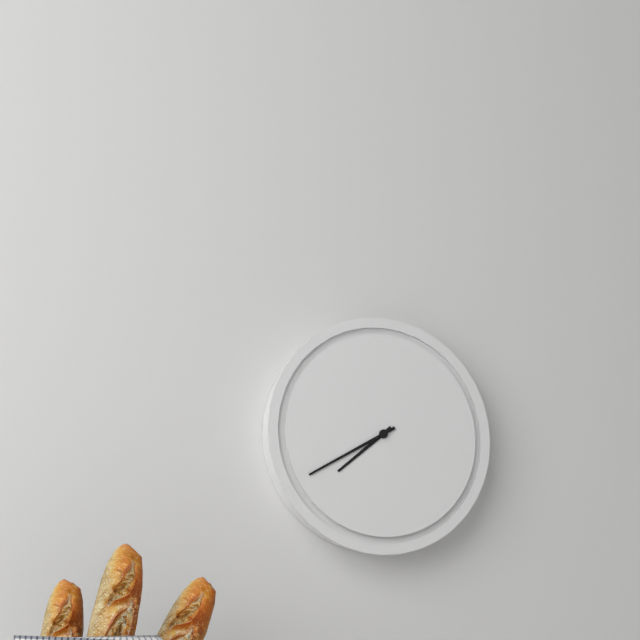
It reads h=7 m=40
